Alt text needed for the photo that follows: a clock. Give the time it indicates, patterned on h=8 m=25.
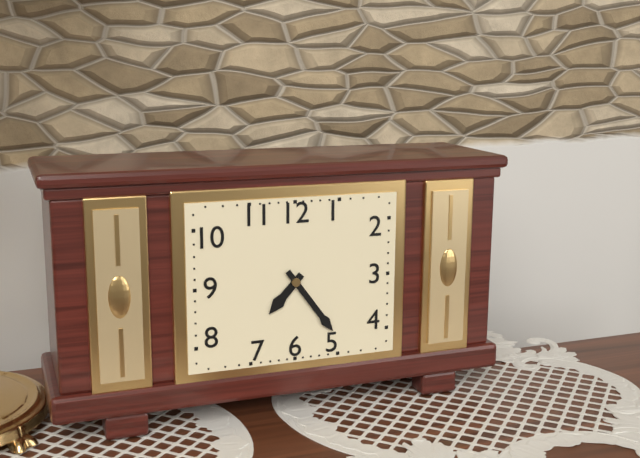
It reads h=7 m=24
